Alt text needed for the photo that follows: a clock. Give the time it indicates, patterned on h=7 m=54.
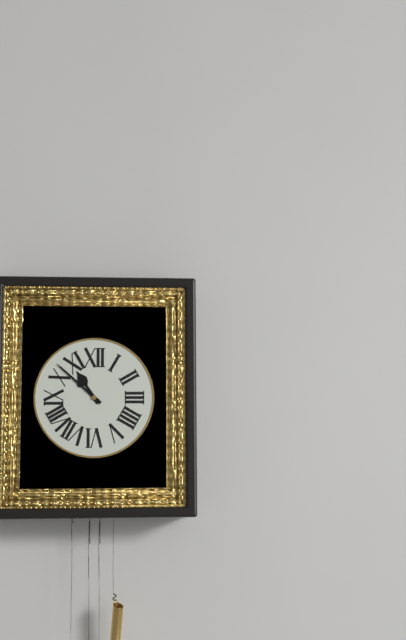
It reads h=10 m=52
